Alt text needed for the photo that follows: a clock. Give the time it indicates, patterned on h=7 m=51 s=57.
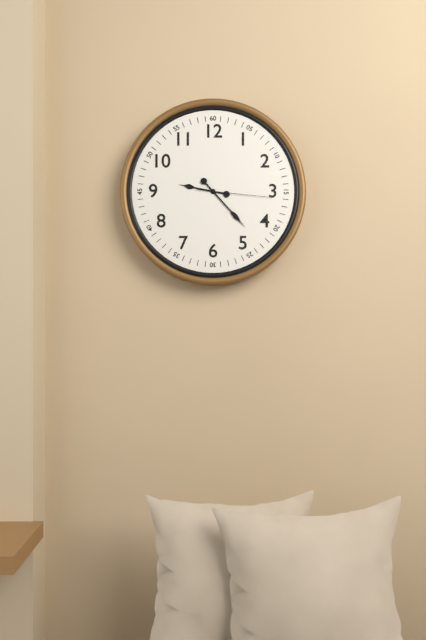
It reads h=9 m=23 s=16
